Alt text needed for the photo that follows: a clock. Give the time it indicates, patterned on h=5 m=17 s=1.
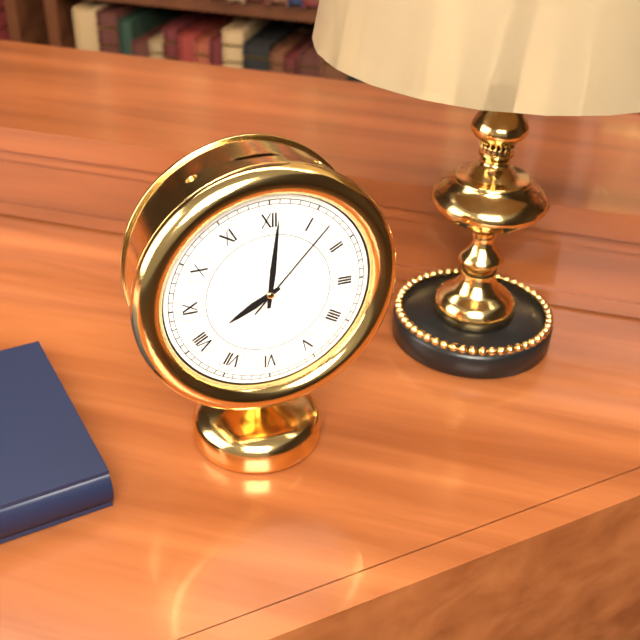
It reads h=8 m=1 s=7
